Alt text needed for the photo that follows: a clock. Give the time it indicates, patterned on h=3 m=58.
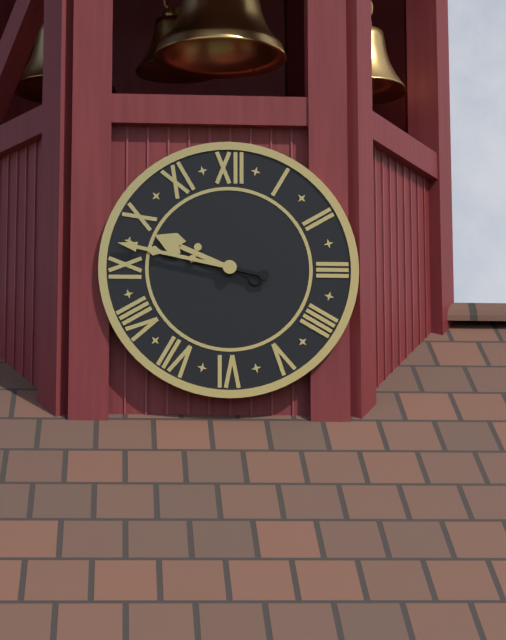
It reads h=9 m=47
